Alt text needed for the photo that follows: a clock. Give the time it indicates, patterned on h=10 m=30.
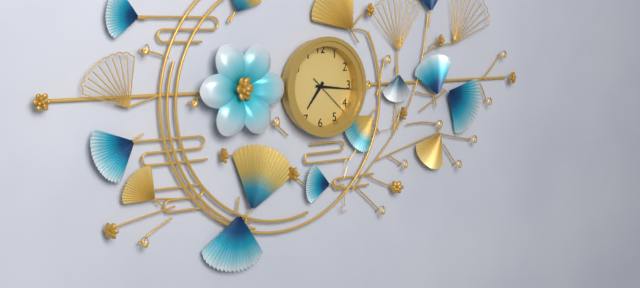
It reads h=7 m=16
